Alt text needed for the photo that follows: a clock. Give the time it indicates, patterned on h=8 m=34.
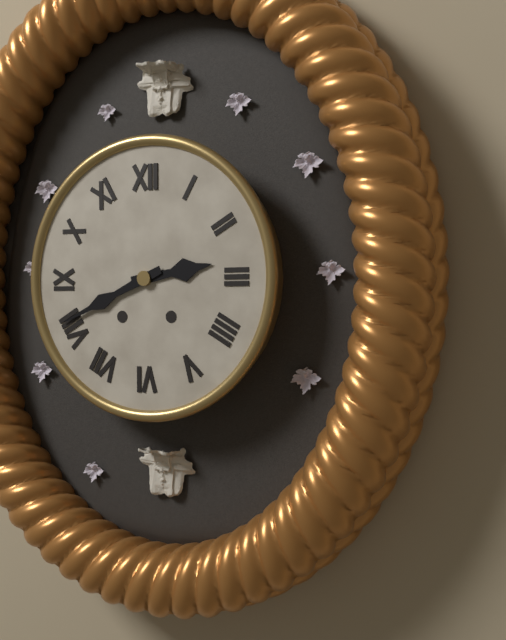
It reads h=2 m=41
